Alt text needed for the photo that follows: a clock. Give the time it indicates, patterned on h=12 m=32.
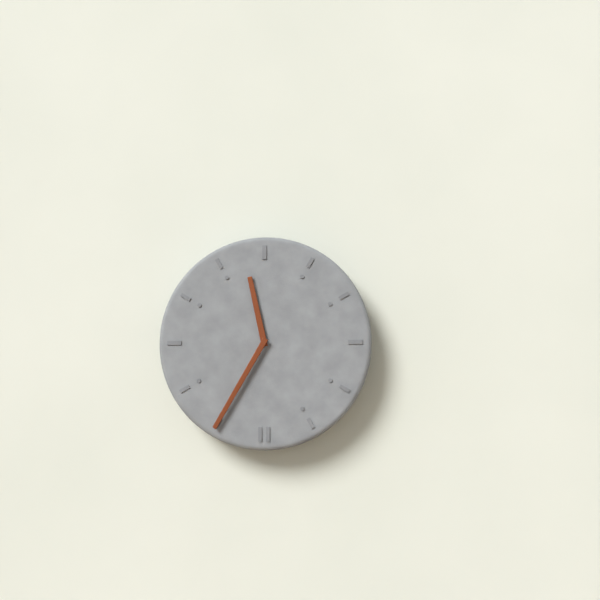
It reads h=11 m=35
